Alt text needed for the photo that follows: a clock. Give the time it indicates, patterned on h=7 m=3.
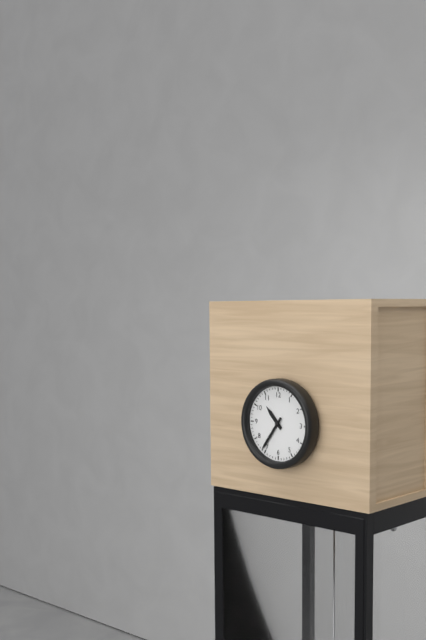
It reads h=10 m=36
